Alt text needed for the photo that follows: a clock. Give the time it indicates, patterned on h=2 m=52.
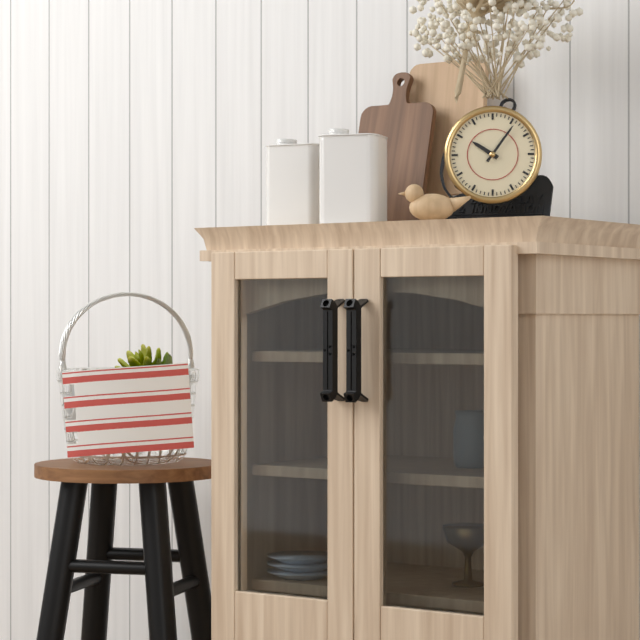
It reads h=10 m=6
